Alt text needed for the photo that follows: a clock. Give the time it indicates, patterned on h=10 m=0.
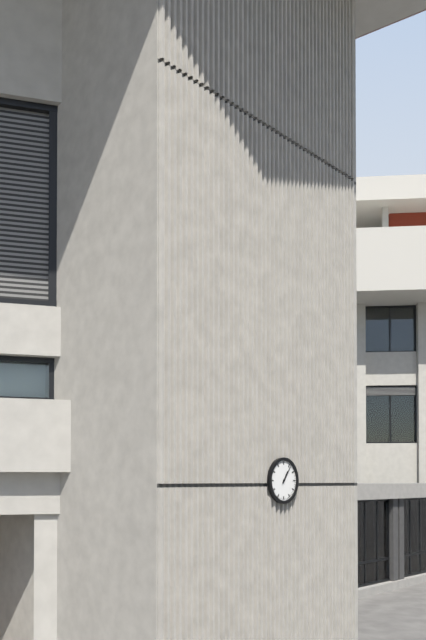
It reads h=1 m=6
